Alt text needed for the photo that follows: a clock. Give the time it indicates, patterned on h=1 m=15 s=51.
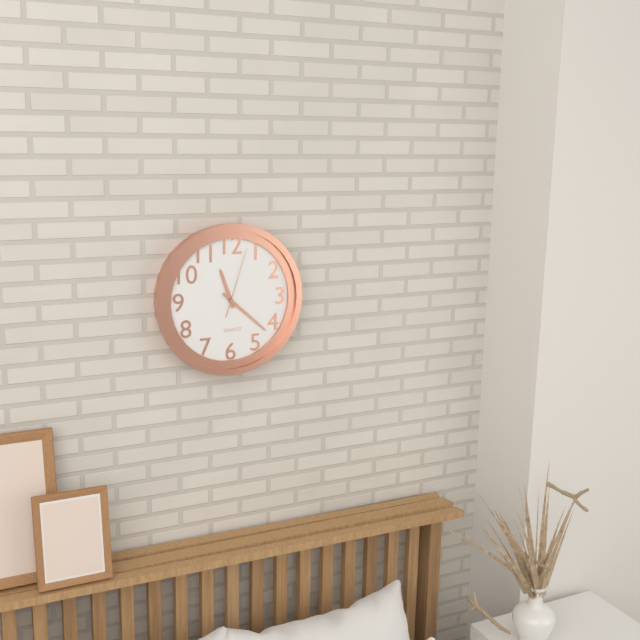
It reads h=11 m=22 s=3
